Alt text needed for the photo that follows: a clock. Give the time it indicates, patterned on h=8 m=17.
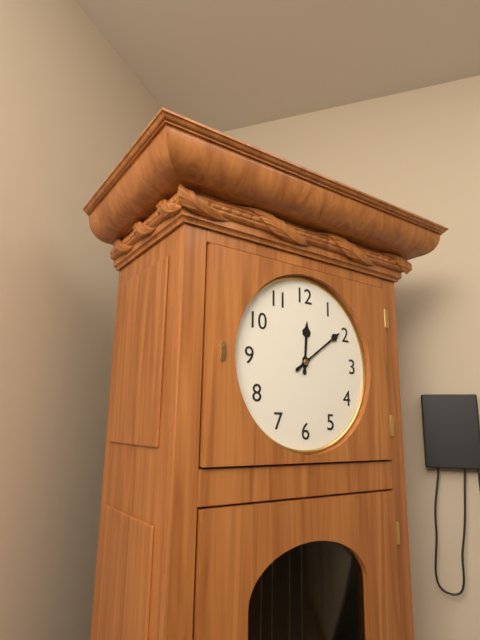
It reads h=12 m=9
